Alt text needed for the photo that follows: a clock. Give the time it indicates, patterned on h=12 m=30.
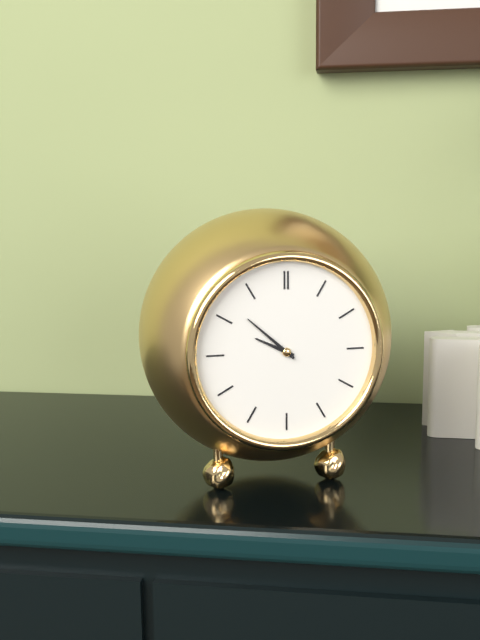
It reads h=9 m=52
